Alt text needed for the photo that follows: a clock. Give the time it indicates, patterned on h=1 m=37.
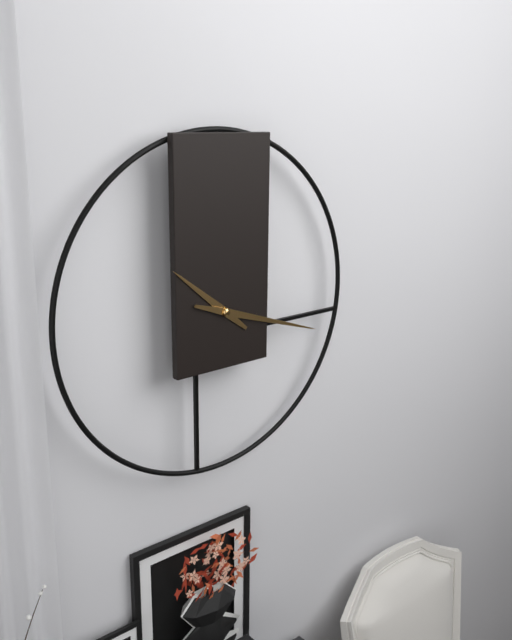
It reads h=10 m=18
